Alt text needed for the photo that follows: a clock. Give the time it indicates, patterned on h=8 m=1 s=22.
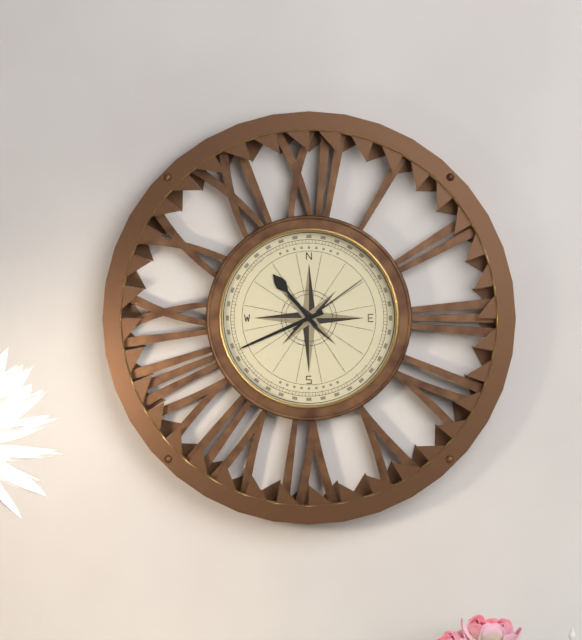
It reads h=10 m=41 s=9
